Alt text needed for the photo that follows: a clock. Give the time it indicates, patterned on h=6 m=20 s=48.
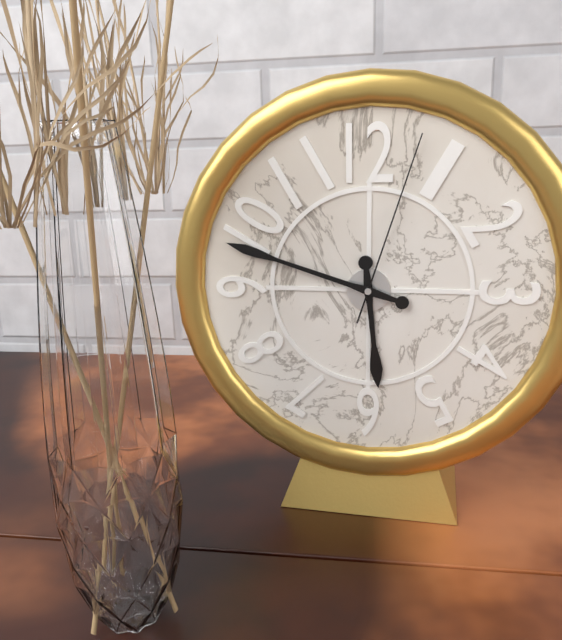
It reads h=5 m=48 s=3
